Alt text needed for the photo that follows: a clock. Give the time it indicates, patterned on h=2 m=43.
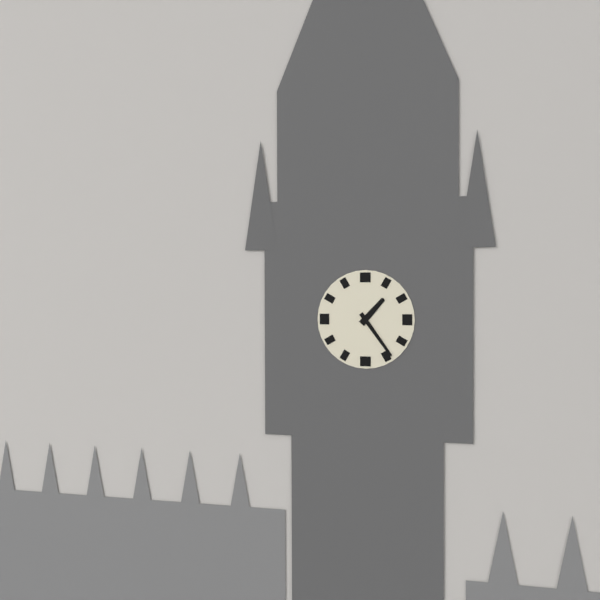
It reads h=1 m=24
